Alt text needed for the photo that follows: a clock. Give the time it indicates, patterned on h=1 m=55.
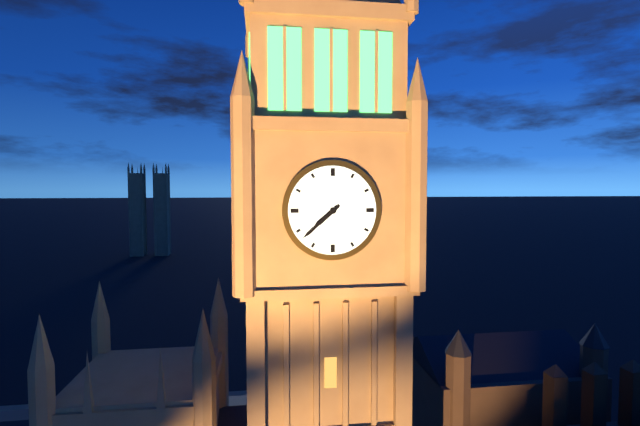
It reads h=7 m=38
